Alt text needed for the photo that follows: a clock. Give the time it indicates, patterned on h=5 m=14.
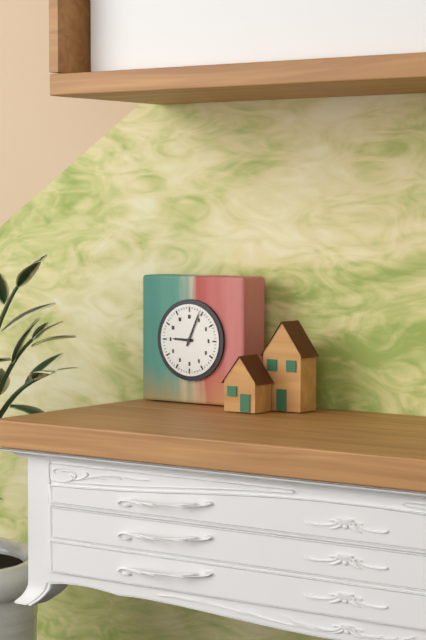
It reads h=9 m=4
